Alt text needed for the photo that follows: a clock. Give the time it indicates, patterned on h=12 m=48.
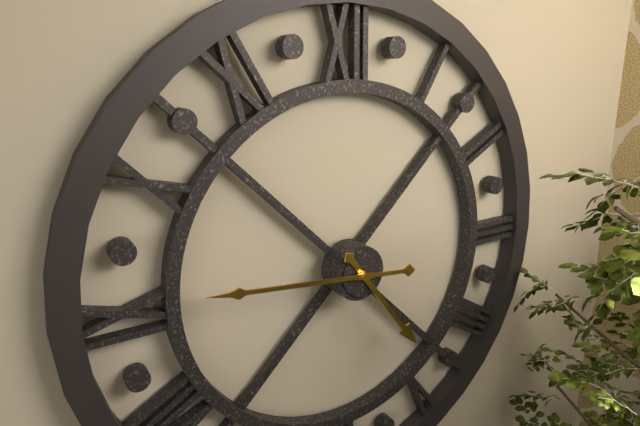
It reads h=4 m=46
